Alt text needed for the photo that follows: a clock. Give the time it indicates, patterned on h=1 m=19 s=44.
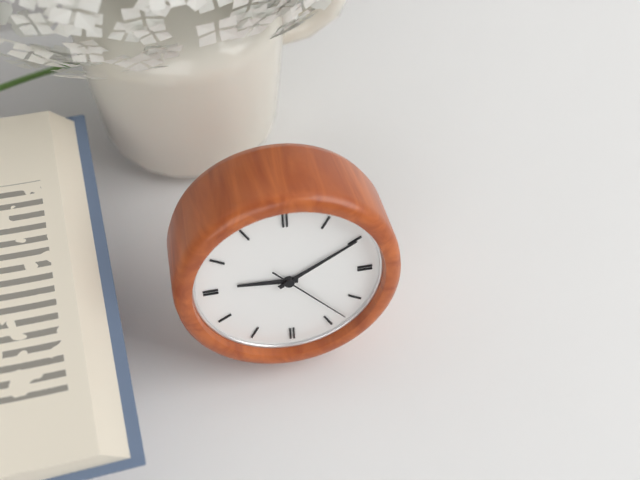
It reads h=9 m=10 s=23
